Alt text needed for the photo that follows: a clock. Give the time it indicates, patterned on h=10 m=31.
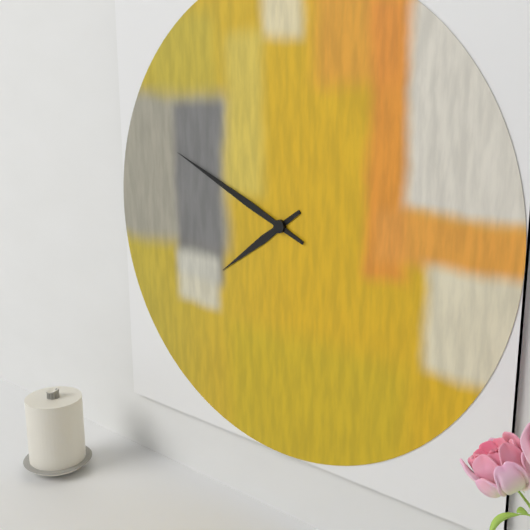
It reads h=7 m=49
